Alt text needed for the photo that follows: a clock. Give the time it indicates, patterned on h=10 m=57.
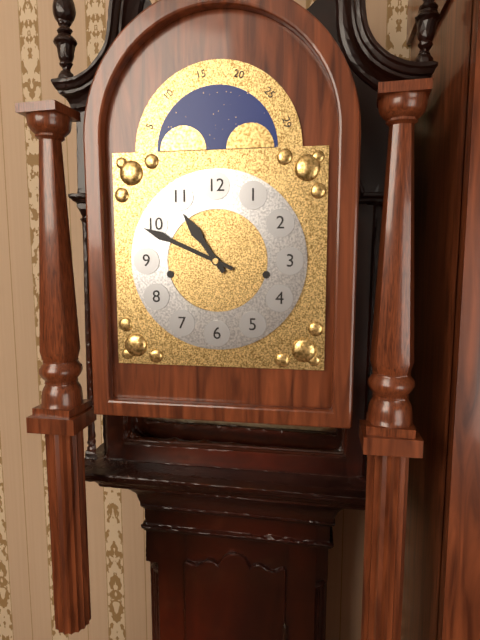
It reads h=10 m=49
